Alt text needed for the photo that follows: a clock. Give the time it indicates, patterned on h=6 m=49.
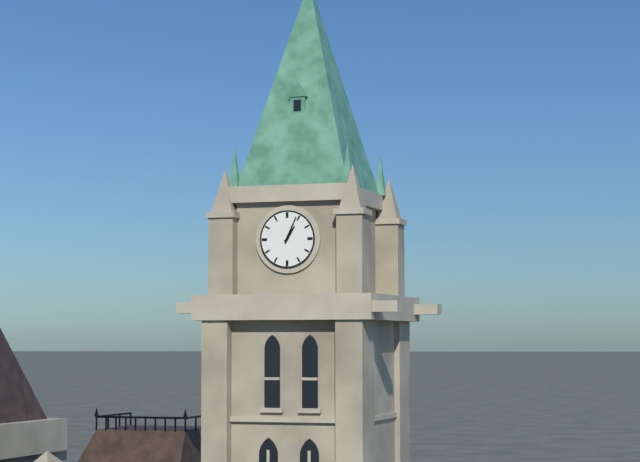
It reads h=1 m=4
